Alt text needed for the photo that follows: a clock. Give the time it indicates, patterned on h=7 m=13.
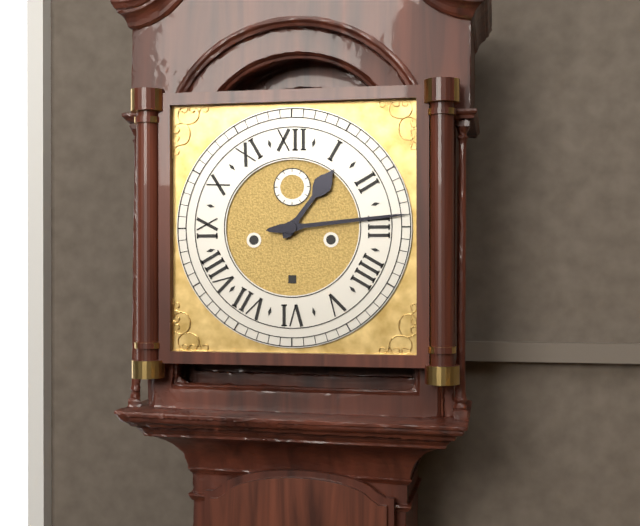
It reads h=1 m=14
